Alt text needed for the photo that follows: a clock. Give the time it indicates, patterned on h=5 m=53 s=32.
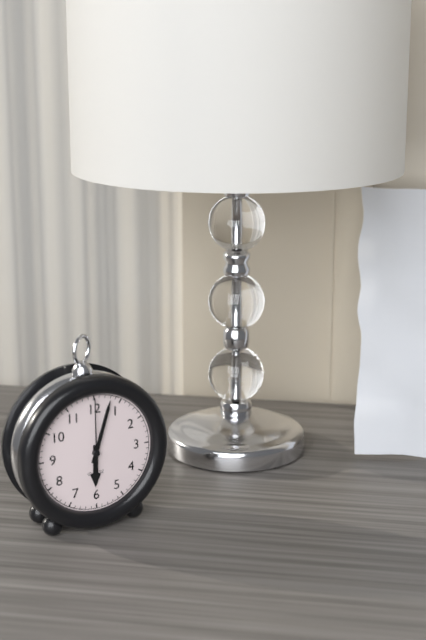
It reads h=6 m=3 s=0
